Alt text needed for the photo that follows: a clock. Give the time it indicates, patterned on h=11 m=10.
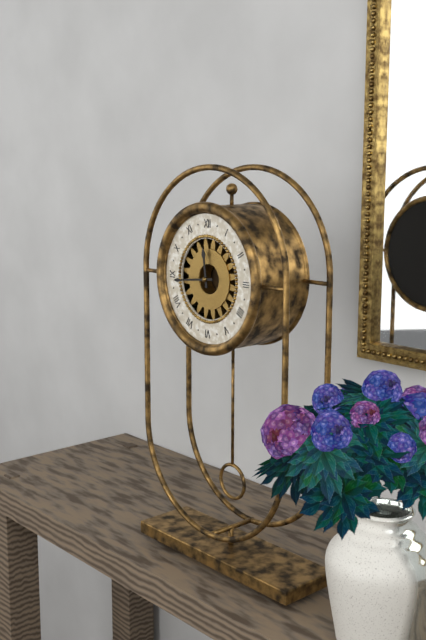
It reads h=11 m=44
